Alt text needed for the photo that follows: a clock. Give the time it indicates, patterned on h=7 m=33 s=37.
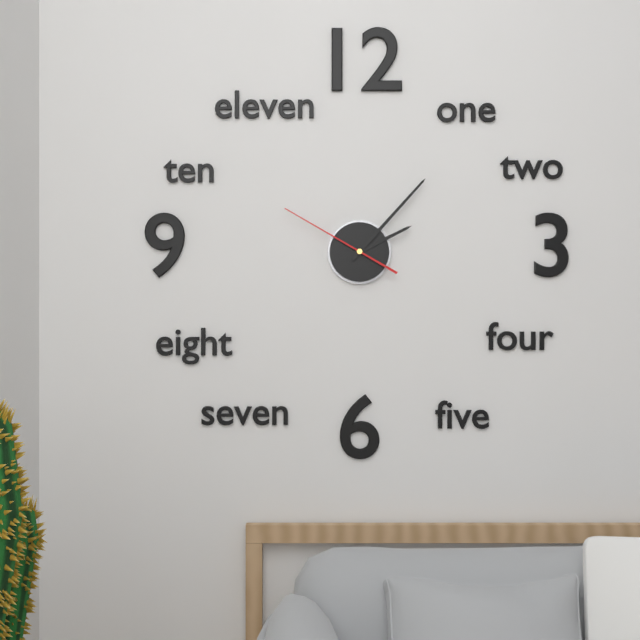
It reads h=2 m=7 s=50
